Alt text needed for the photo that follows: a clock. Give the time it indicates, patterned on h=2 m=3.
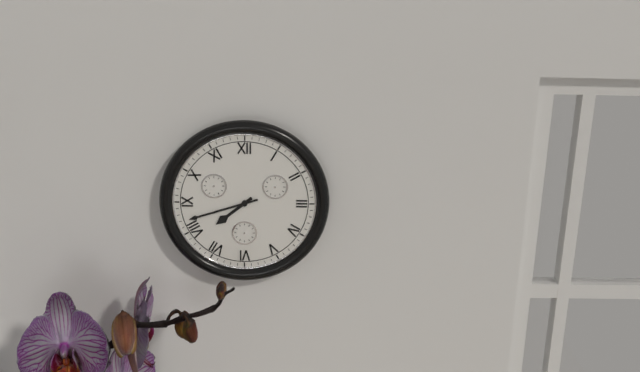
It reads h=7 m=42
